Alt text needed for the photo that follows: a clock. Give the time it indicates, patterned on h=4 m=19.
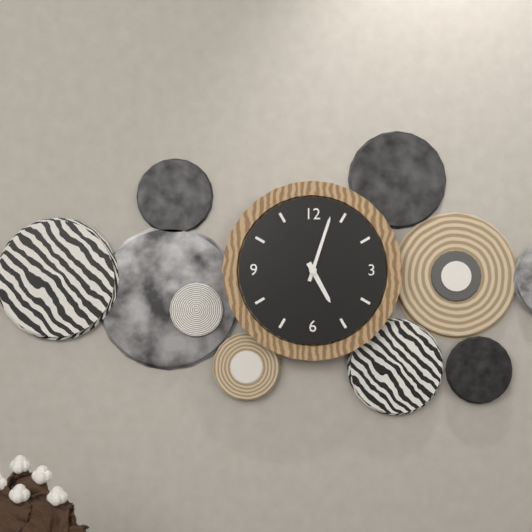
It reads h=5 m=3
